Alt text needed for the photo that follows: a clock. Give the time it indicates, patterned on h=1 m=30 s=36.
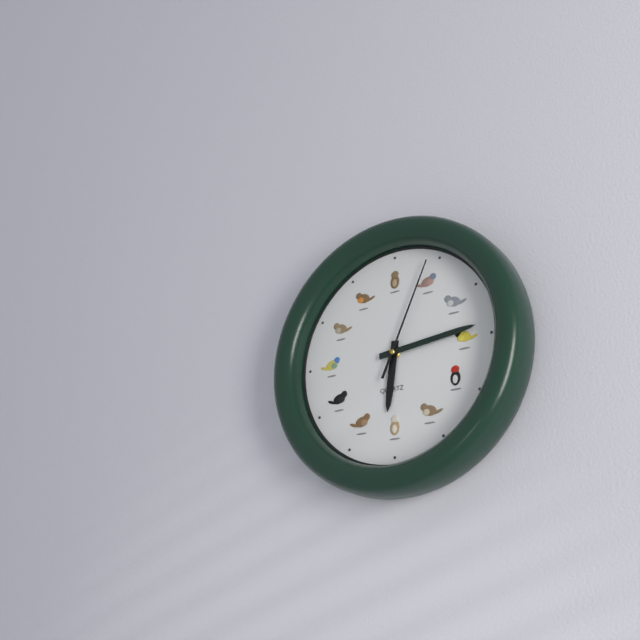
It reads h=6 m=14 s=4
